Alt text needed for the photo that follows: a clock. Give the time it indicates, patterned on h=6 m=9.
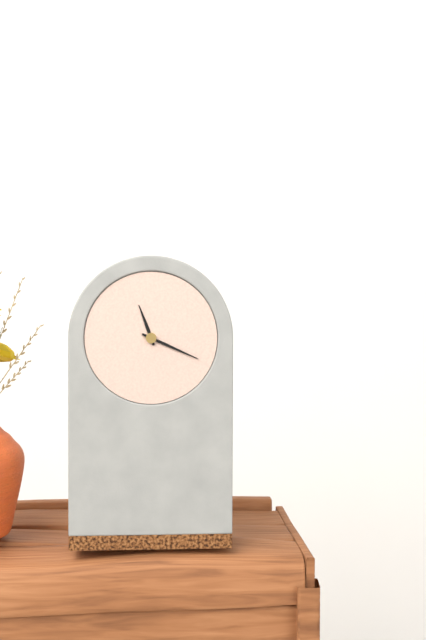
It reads h=11 m=19
